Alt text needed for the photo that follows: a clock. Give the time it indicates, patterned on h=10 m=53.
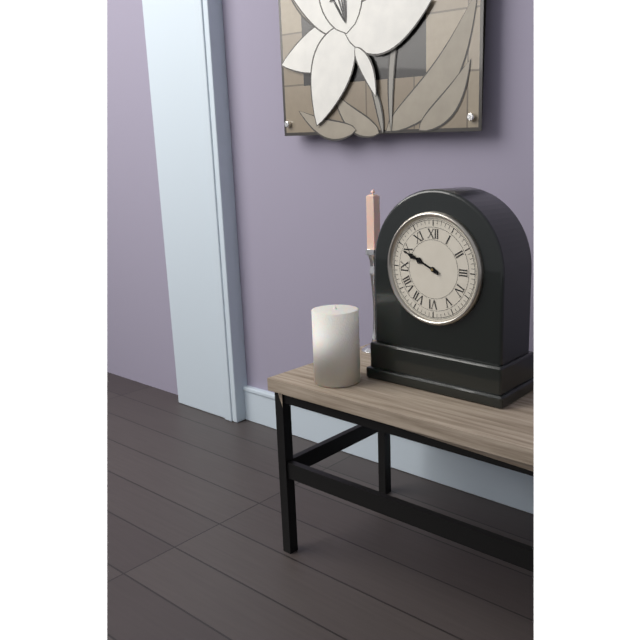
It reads h=9 m=49
